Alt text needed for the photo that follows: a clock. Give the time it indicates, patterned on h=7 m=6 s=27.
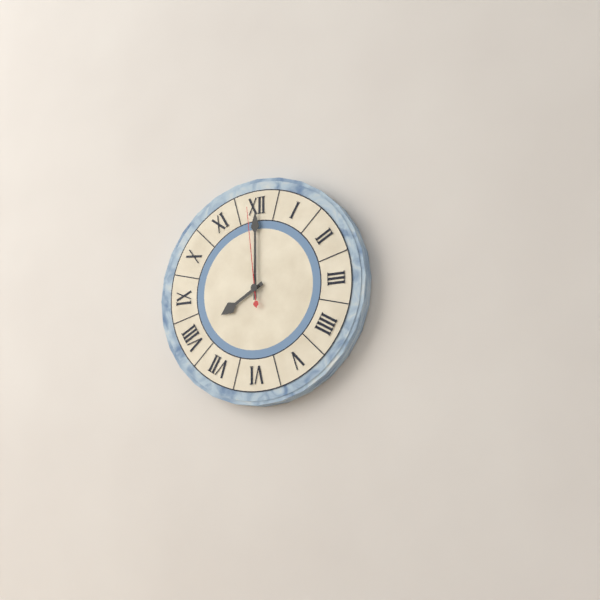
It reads h=8 m=0 s=59
